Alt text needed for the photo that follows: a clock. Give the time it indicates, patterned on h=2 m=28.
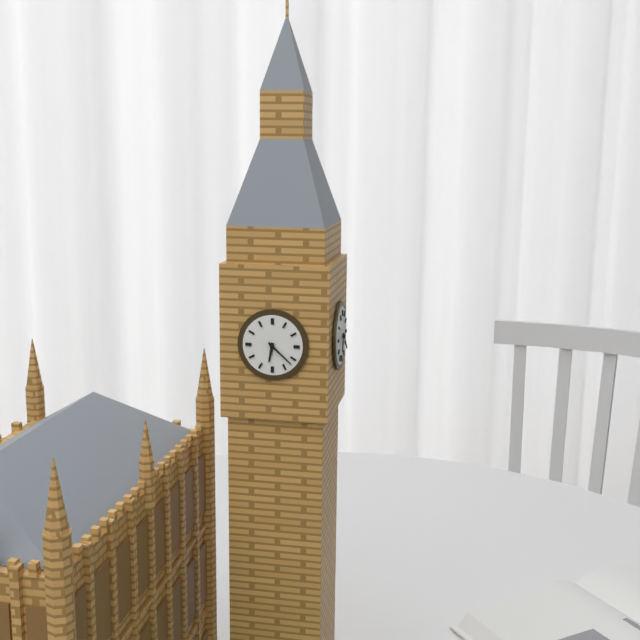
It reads h=6 m=22
